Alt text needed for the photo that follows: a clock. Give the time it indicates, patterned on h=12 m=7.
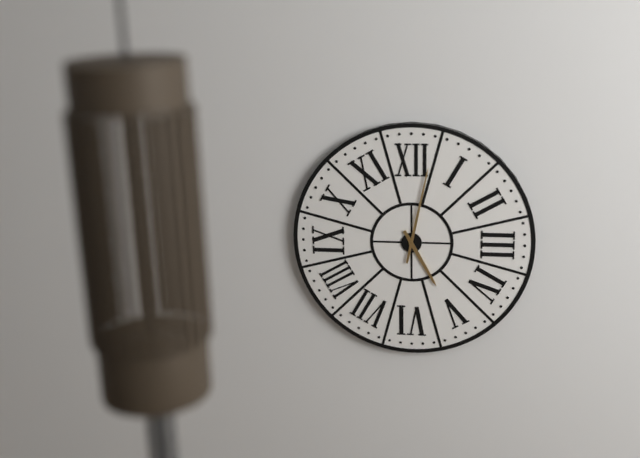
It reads h=5 m=2
